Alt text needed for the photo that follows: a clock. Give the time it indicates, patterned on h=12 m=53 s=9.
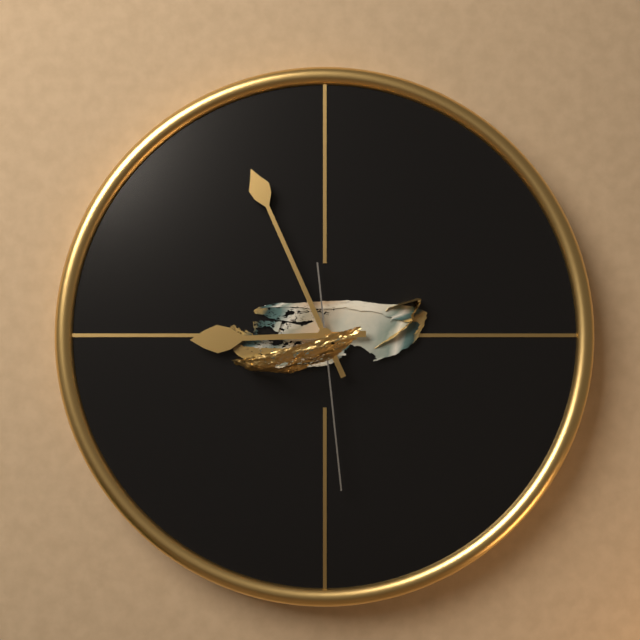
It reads h=8 m=56 s=29
